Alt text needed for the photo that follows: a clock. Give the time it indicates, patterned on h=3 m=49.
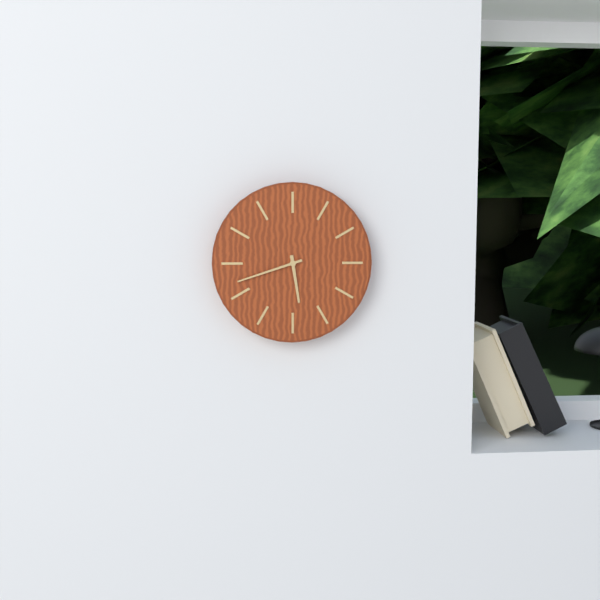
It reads h=5 m=42
